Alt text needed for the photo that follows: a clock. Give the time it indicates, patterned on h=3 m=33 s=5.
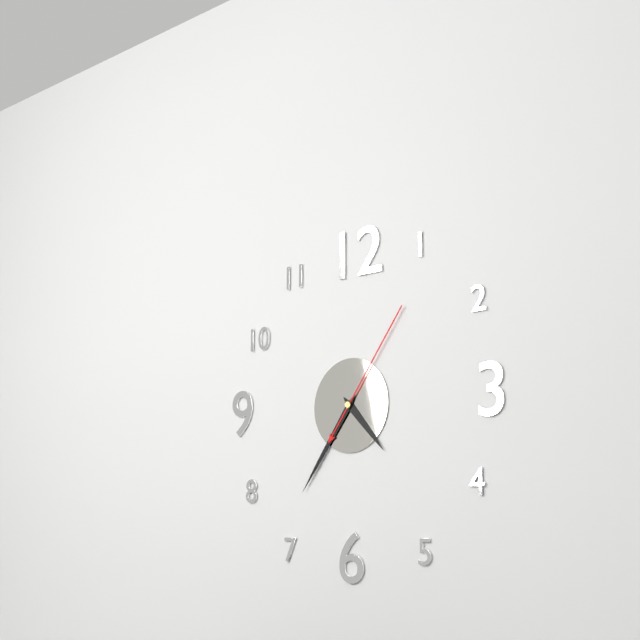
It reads h=4 m=36 s=6
